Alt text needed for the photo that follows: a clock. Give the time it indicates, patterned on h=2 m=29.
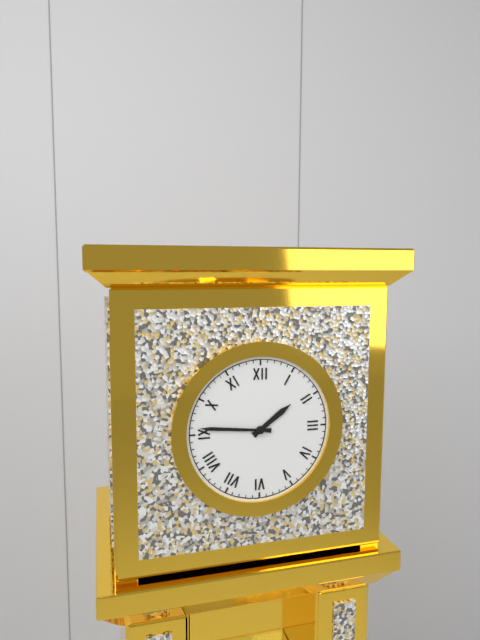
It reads h=1 m=46
